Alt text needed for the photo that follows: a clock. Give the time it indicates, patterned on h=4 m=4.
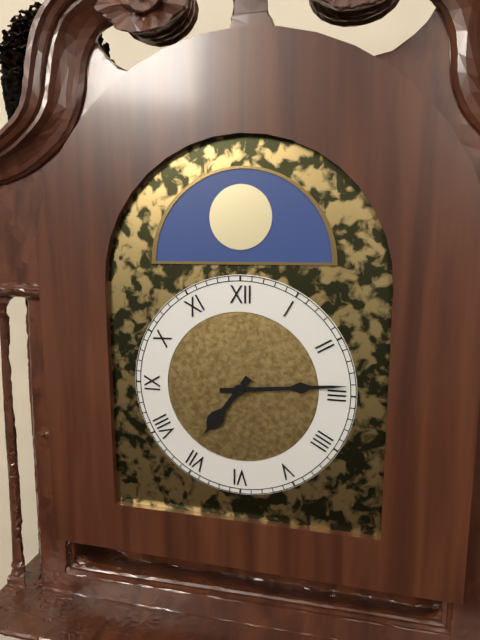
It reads h=7 m=14
